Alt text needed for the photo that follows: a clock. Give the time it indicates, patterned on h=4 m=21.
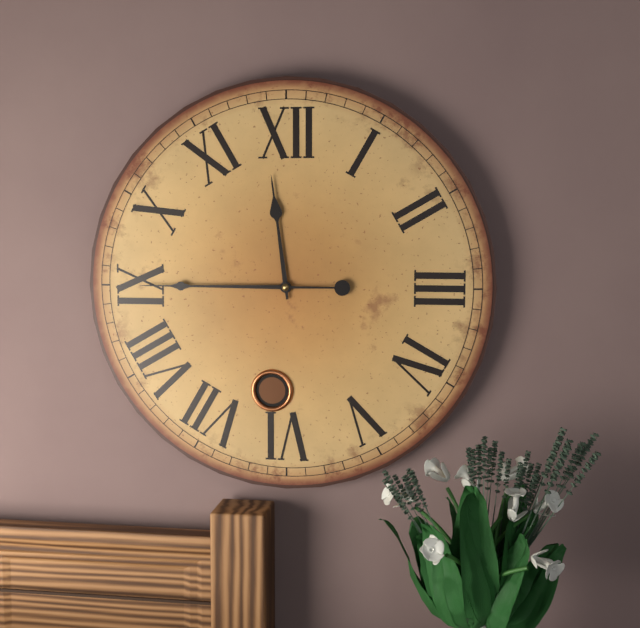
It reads h=11 m=45
